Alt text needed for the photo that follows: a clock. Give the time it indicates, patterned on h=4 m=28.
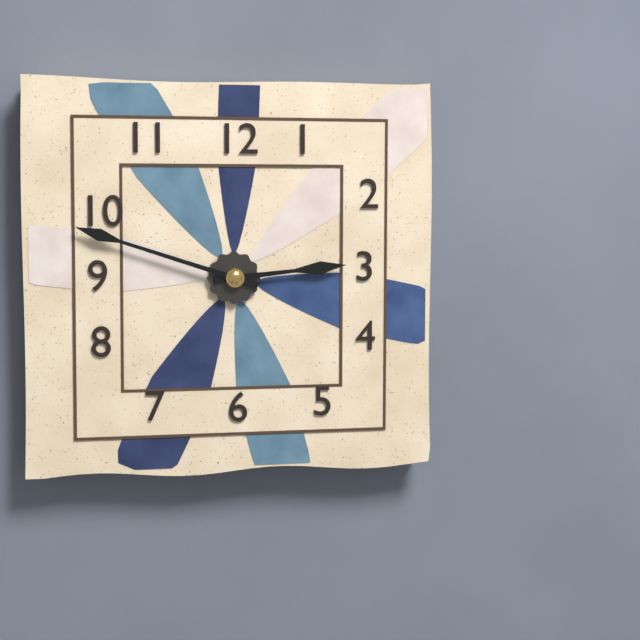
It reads h=2 m=48
